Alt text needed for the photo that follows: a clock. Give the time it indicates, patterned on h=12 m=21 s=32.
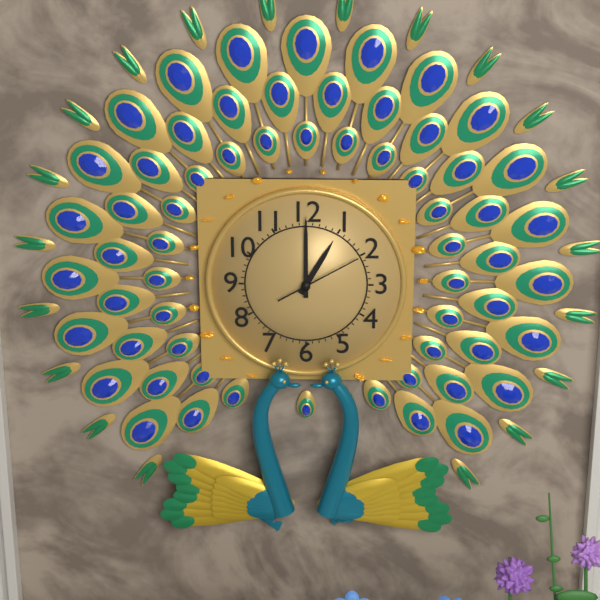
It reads h=1 m=0 s=10
